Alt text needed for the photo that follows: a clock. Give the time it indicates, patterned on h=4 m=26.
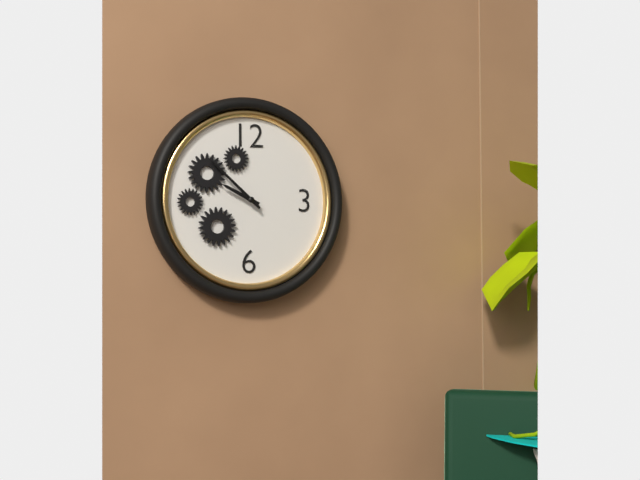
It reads h=9 m=52
